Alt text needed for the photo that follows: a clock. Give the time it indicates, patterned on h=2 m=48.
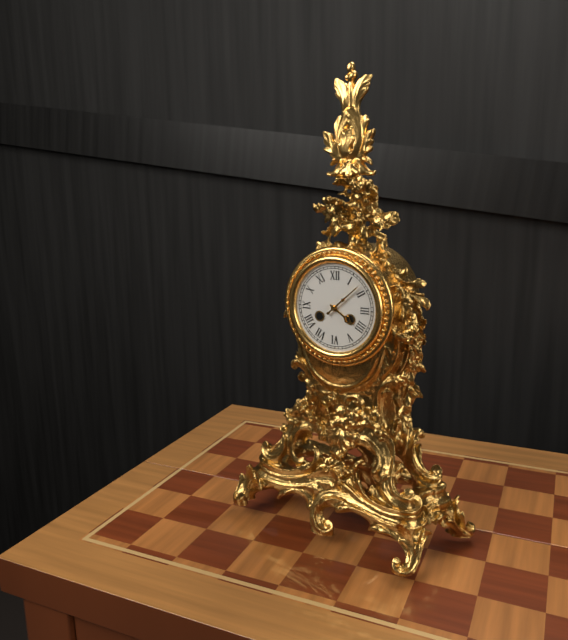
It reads h=4 m=8
